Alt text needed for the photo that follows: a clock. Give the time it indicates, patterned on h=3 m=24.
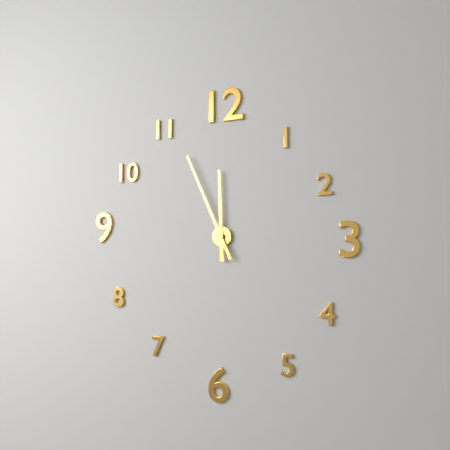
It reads h=11 m=56
